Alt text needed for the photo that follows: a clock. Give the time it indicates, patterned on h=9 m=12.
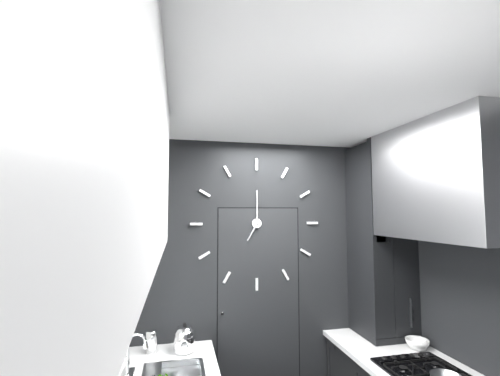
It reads h=7 m=0
